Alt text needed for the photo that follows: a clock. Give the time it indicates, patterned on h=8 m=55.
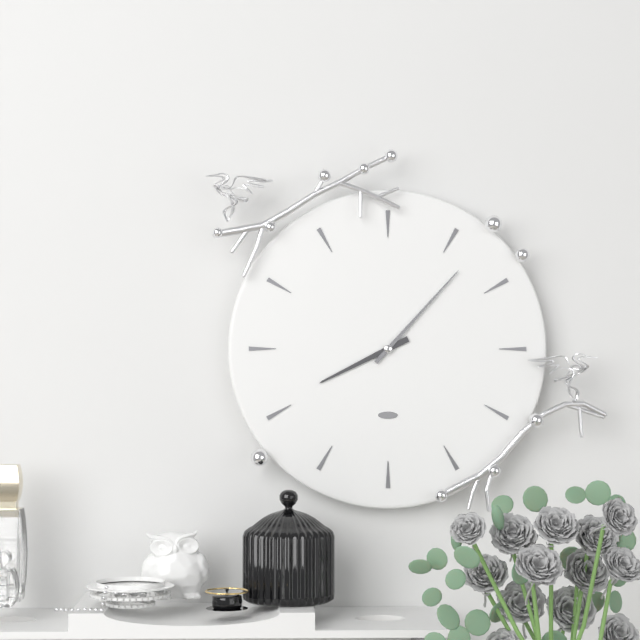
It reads h=8 m=7
